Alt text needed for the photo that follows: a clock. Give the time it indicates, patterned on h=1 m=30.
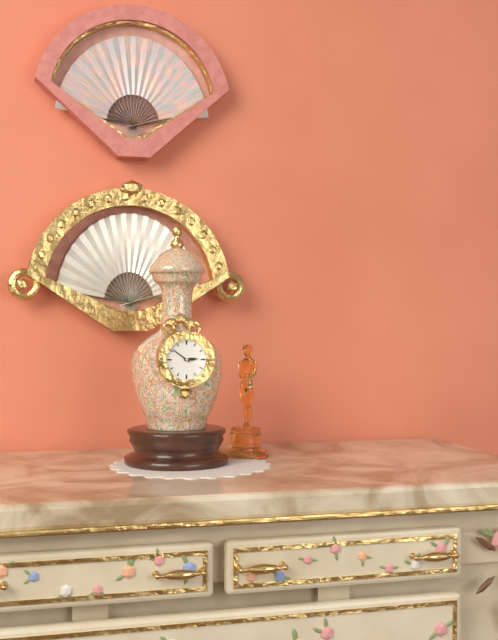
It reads h=2 m=51
